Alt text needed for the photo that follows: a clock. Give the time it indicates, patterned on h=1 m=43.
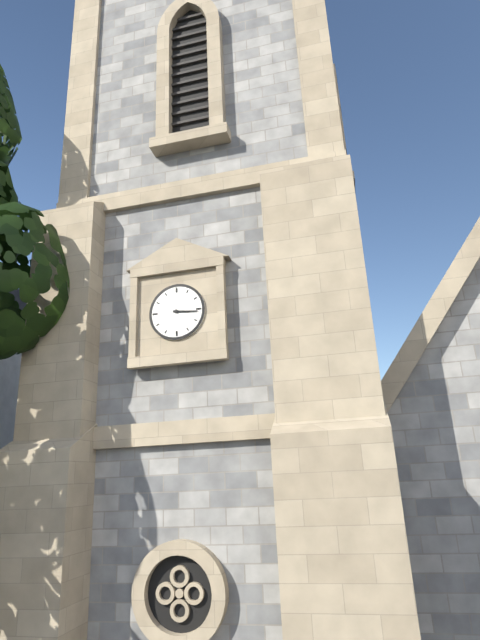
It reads h=3 m=16
